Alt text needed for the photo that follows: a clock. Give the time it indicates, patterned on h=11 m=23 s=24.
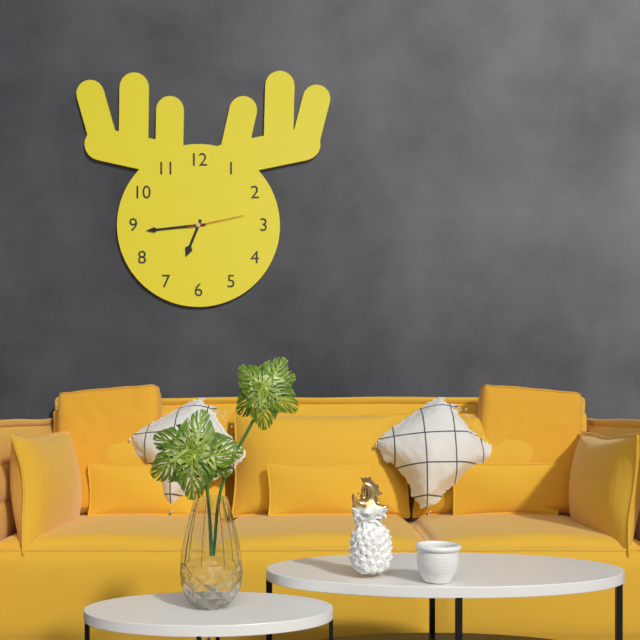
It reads h=6 m=44 s=13
